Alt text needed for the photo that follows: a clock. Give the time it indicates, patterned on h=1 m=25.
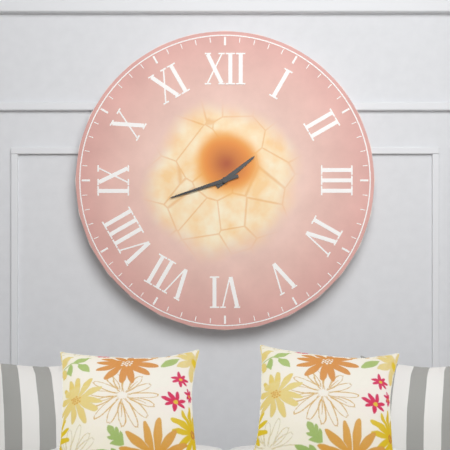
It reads h=1 m=42
